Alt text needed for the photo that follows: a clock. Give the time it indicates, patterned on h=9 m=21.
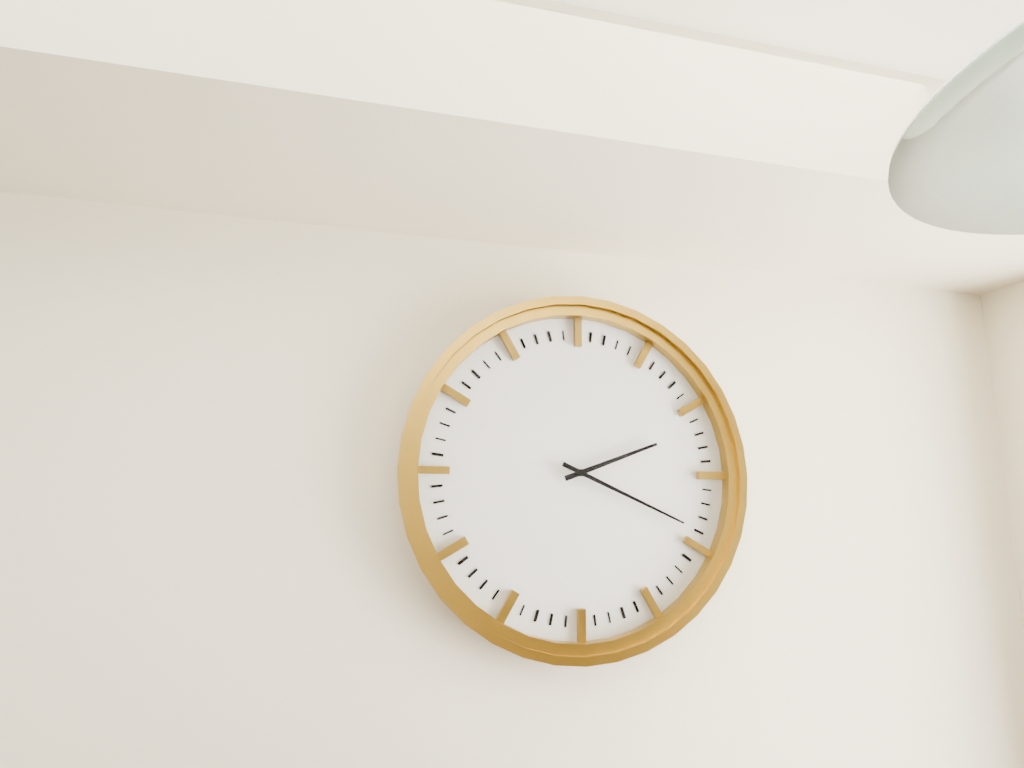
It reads h=2 m=19
